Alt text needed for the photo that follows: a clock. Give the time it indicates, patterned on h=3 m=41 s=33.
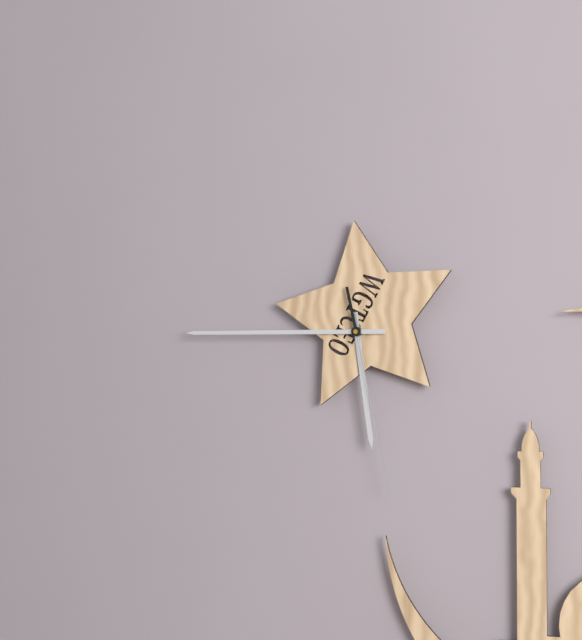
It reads h=5 m=45 s=28
